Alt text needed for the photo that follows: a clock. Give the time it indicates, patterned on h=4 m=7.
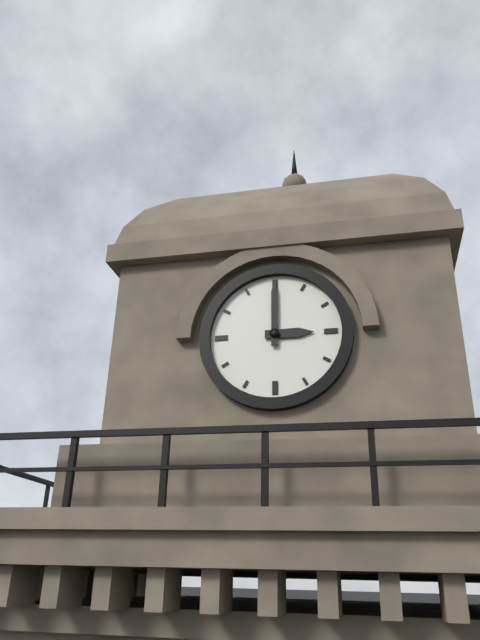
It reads h=3 m=0
